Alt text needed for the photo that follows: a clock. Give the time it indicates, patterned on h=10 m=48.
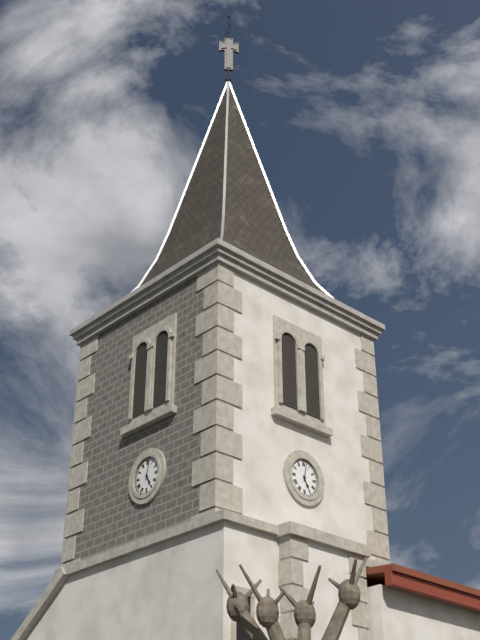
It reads h=5 m=2
